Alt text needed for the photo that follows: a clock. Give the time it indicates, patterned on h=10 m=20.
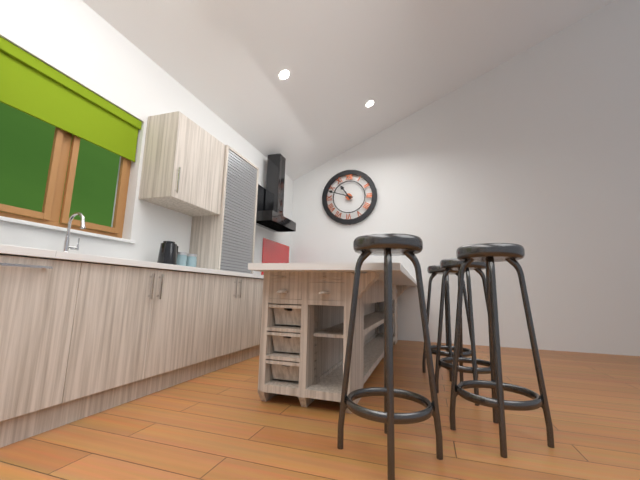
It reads h=10 m=48
